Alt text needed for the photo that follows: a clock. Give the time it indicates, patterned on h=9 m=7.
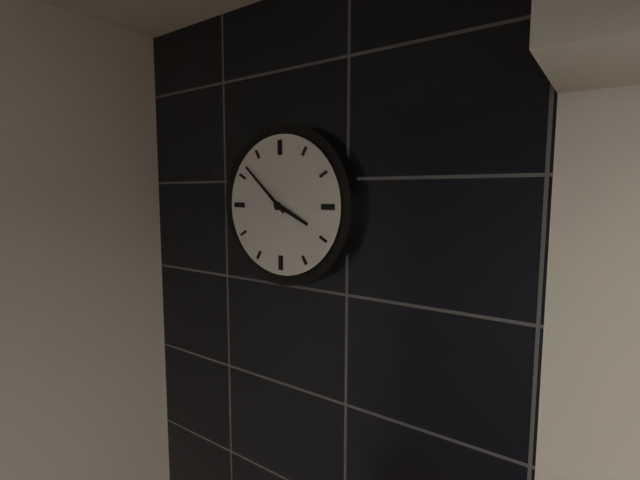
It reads h=3 m=52
